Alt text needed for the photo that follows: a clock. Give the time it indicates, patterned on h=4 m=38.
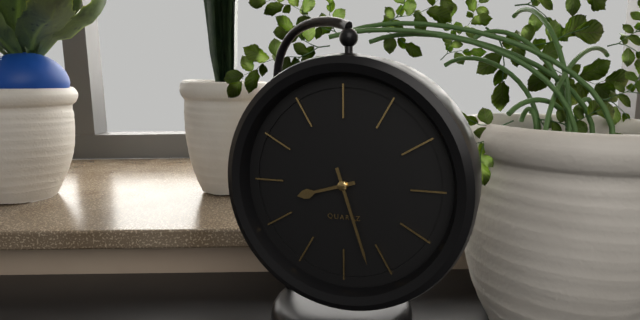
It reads h=8 m=27
